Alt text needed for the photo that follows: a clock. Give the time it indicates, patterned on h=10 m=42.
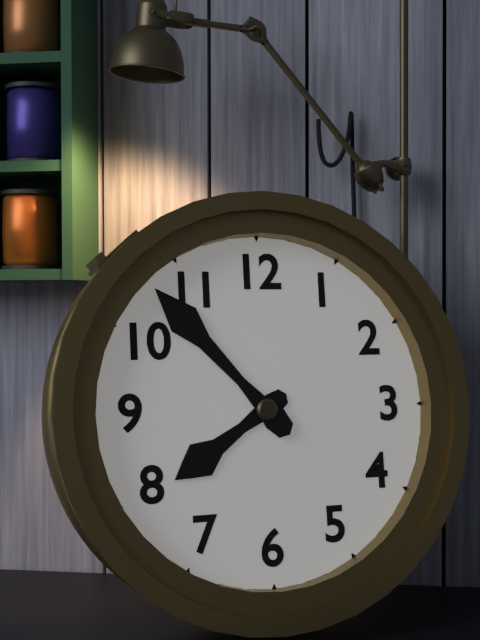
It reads h=7 m=53
